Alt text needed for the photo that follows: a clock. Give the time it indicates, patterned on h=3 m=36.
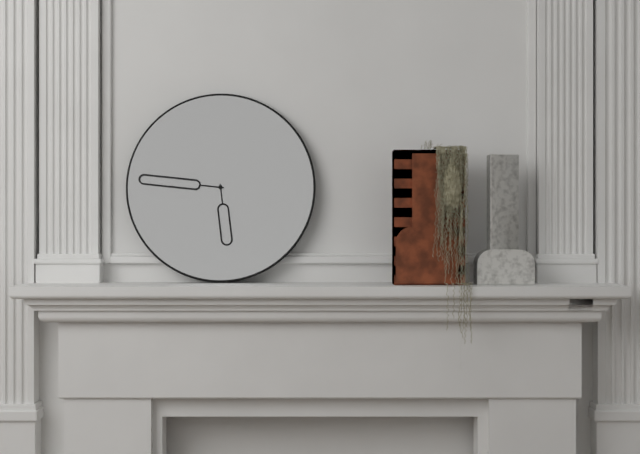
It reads h=5 m=46
